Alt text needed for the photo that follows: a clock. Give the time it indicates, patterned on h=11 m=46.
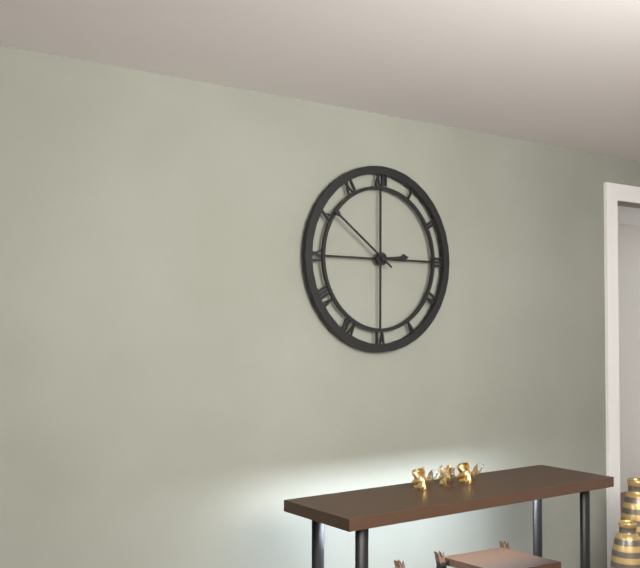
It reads h=2 m=51
